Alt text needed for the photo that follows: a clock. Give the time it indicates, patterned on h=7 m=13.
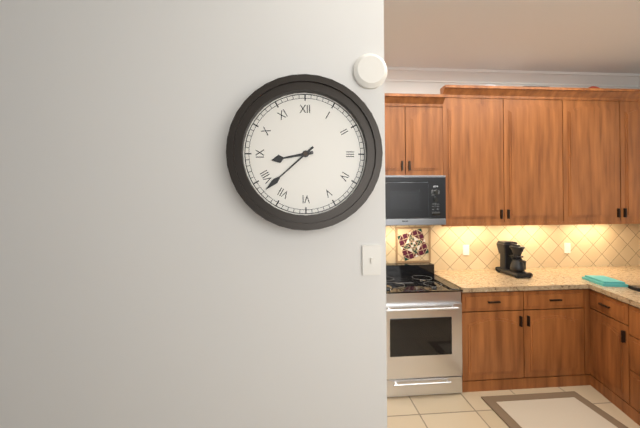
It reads h=8 m=38
